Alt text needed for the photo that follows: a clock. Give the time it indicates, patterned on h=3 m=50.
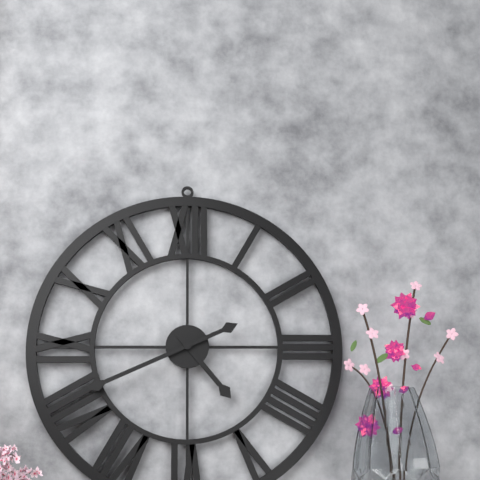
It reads h=4 m=41
